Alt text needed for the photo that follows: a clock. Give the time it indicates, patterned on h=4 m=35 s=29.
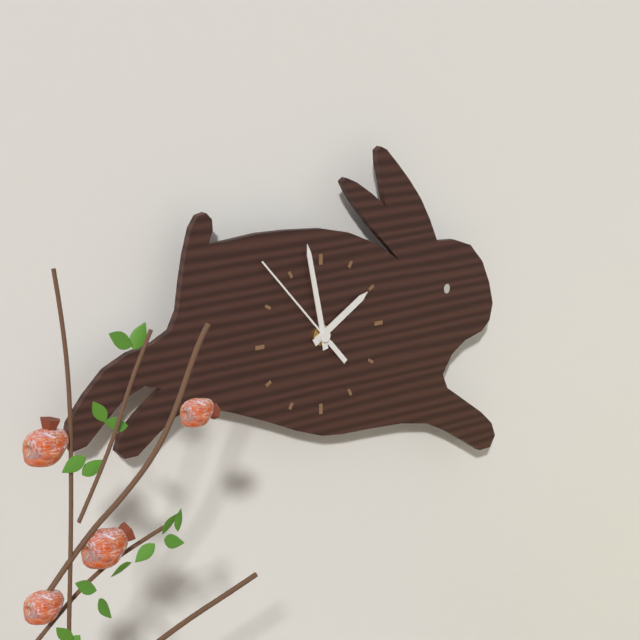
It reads h=1 m=58 s=53
